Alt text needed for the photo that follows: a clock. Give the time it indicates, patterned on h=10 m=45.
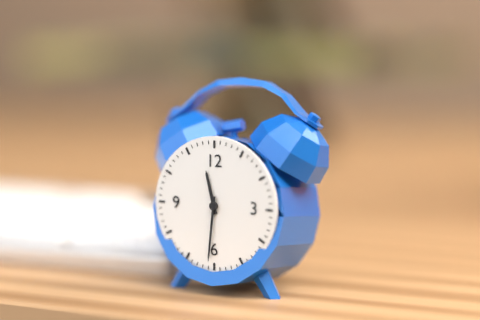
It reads h=11 m=31
